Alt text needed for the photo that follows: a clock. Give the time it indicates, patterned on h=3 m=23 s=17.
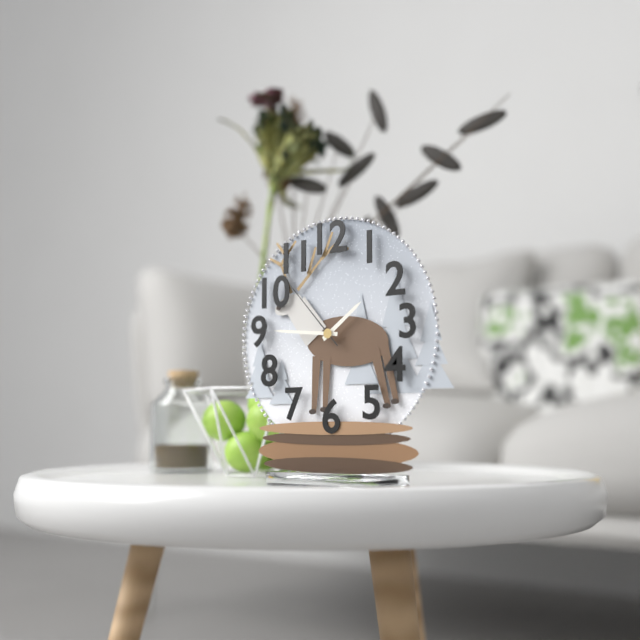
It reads h=1 m=46 s=53
